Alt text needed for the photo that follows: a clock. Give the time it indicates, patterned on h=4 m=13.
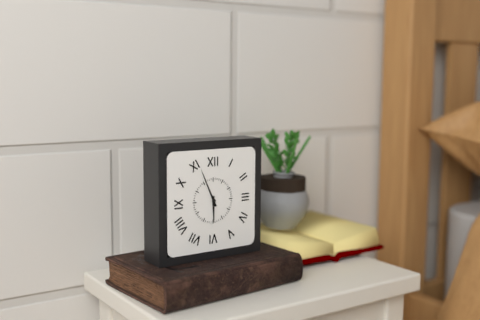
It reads h=5 m=56
